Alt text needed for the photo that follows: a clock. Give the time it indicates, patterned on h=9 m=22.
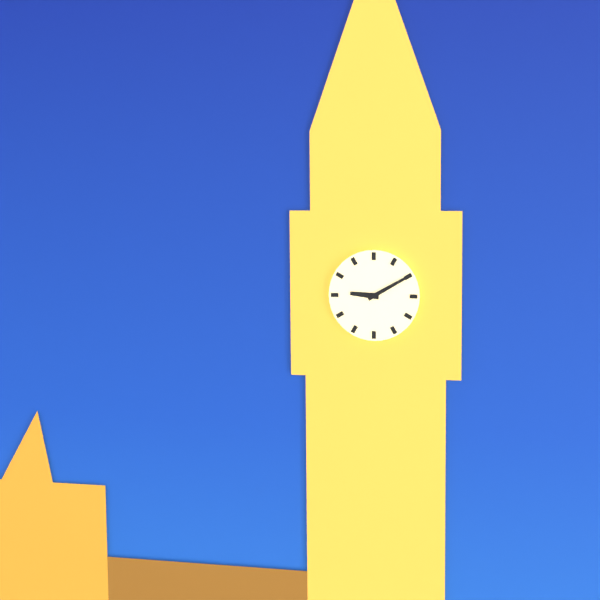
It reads h=9 m=10
